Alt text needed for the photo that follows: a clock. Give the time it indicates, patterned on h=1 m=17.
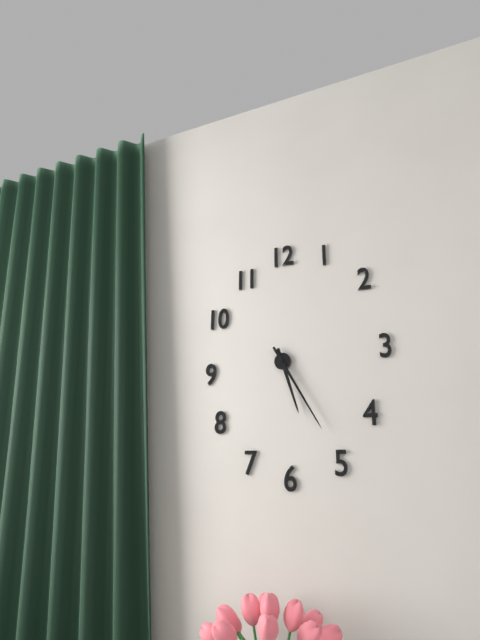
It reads h=5 m=25
